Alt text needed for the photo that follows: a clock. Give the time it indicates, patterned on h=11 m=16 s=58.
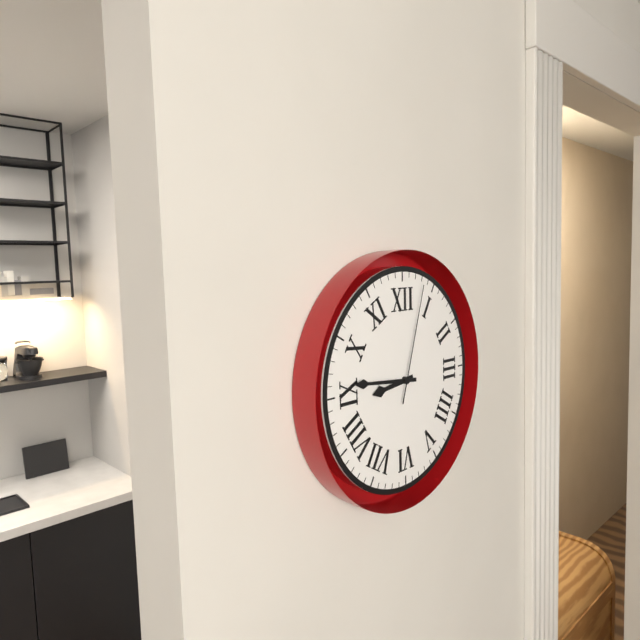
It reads h=8 m=46 s=3
